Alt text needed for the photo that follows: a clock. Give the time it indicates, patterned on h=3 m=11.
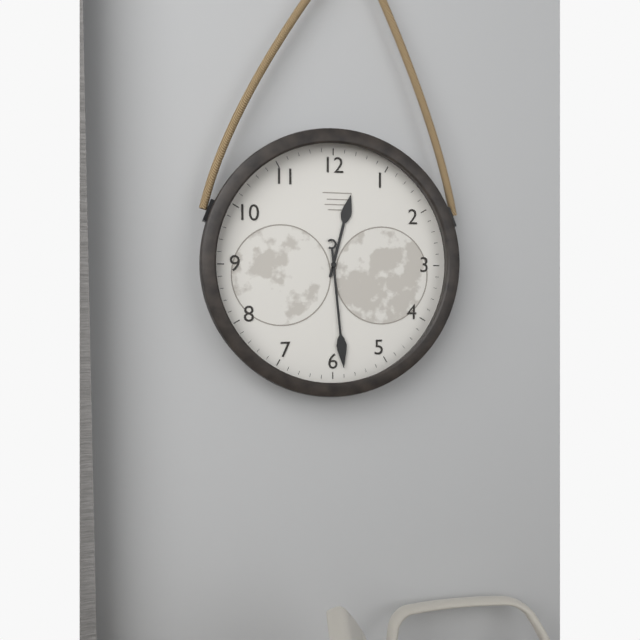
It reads h=12 m=29
